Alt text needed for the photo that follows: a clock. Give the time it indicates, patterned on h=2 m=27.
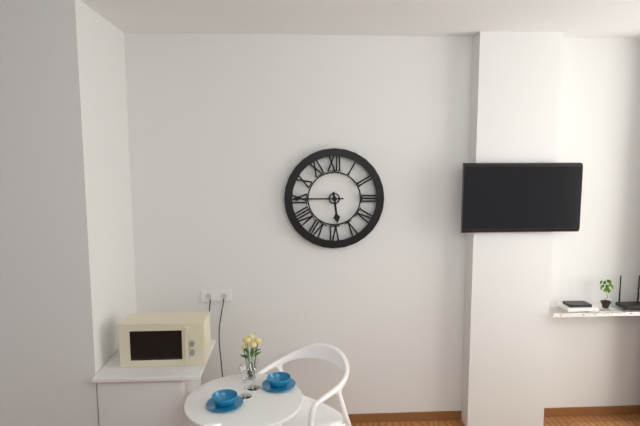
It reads h=5 m=45
